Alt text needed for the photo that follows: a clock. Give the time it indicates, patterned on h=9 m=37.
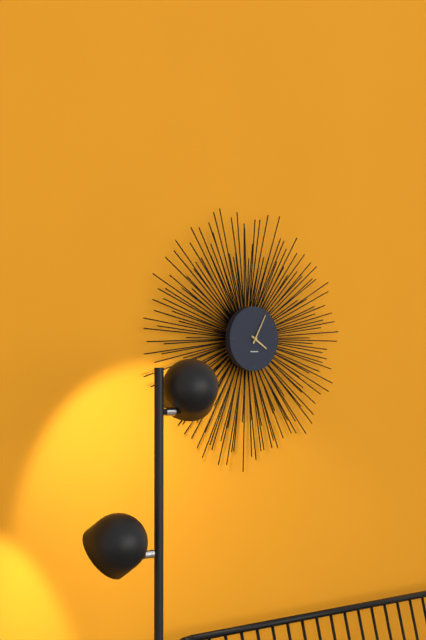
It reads h=4 m=5
